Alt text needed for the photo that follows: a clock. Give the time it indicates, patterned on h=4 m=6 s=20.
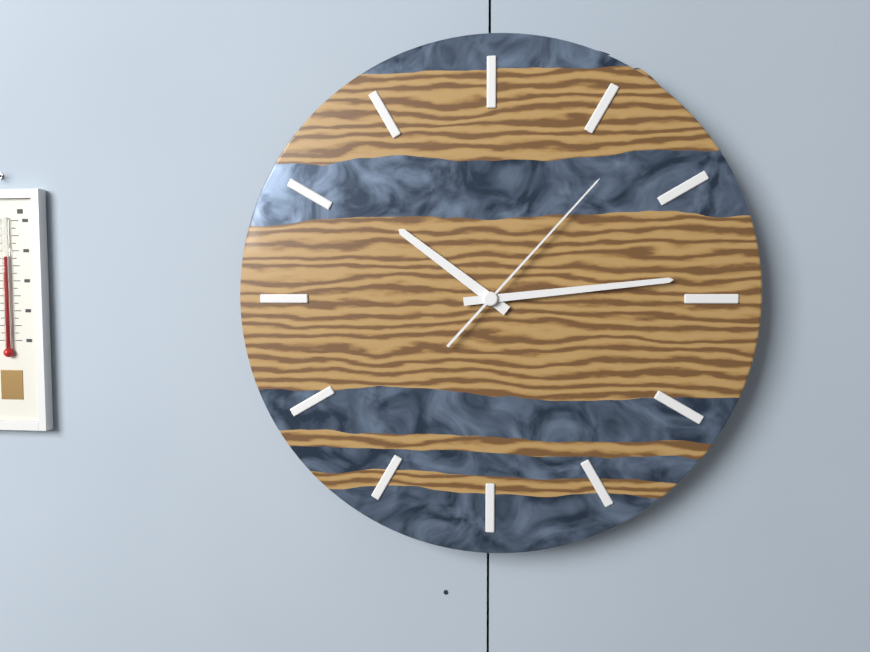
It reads h=10 m=14 s=7
